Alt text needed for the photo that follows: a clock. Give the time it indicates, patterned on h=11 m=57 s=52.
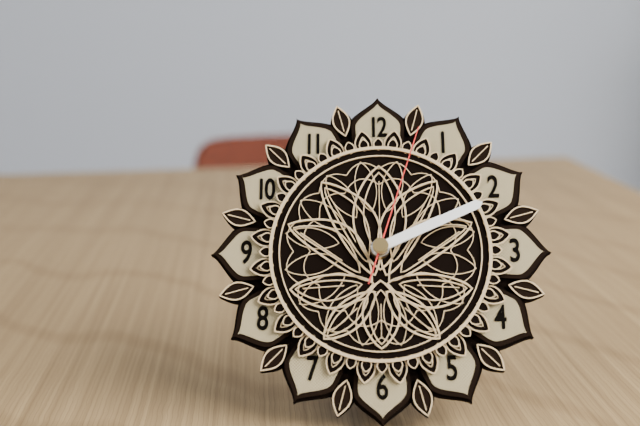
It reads h=2 m=11 s=3
